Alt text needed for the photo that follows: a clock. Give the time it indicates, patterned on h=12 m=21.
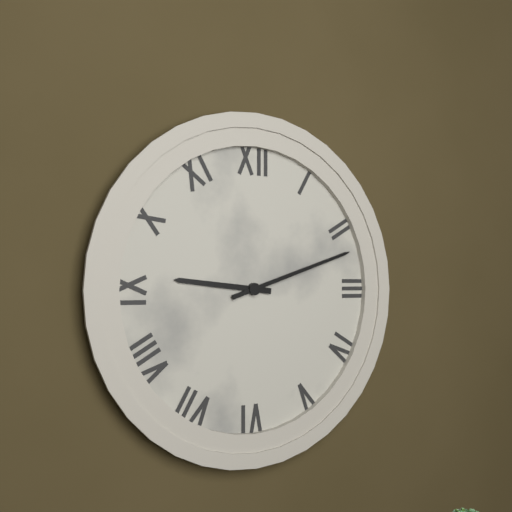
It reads h=9 m=12
